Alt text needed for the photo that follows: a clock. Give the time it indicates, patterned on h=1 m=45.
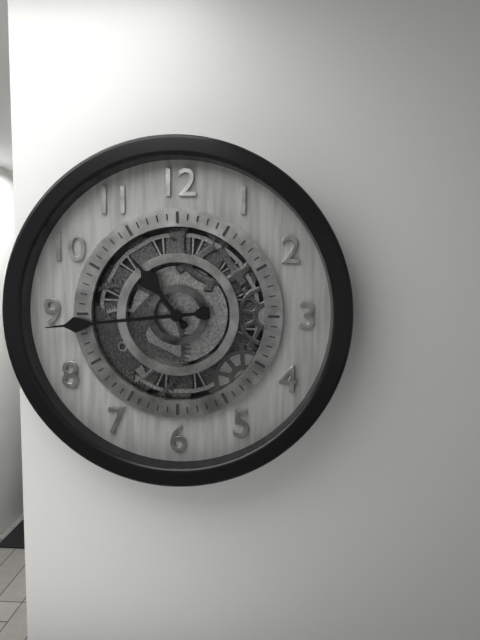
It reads h=10 m=44
